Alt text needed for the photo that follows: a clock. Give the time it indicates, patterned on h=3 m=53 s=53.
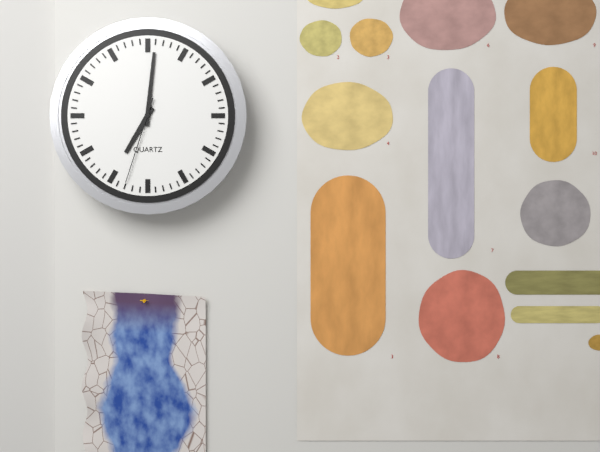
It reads h=7 m=1 s=33
